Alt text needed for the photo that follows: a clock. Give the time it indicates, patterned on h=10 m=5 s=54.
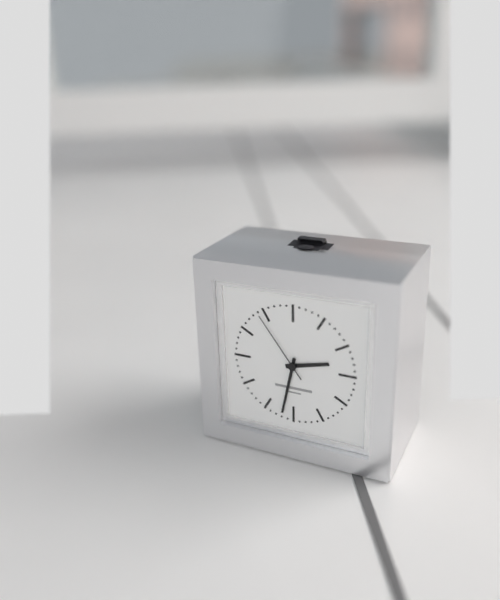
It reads h=2 m=32 s=54
